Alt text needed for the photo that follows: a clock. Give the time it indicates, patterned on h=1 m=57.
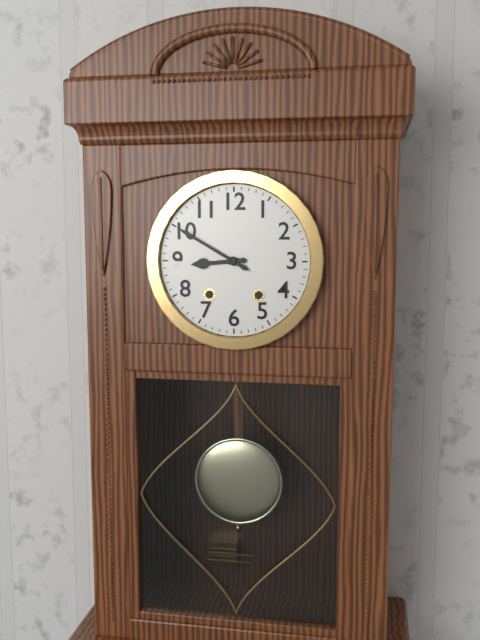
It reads h=8 m=50
